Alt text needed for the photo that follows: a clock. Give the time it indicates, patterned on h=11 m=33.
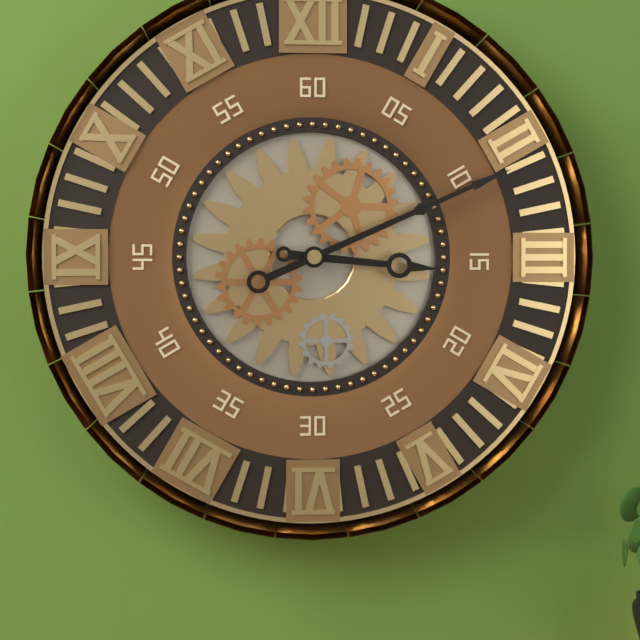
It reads h=3 m=11
